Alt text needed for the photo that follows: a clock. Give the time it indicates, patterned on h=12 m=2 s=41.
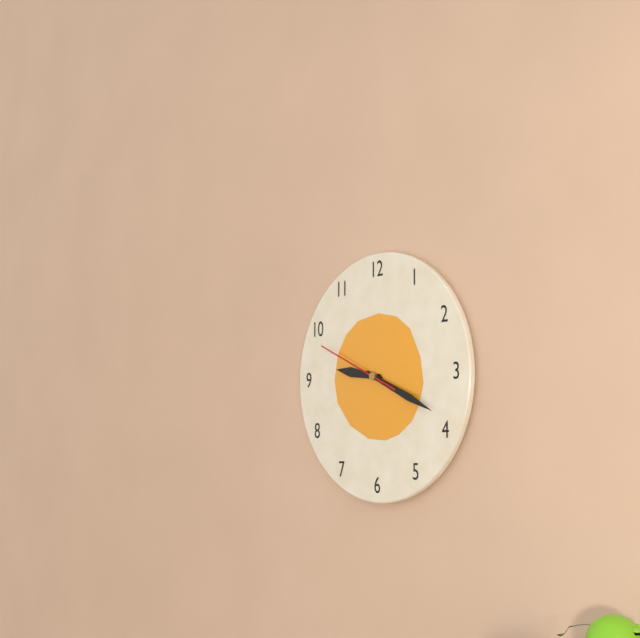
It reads h=9 m=19 s=49
